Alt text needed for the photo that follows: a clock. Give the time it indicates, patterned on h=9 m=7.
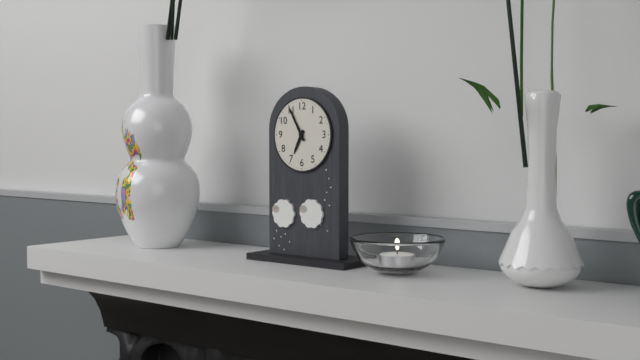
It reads h=6 m=55
